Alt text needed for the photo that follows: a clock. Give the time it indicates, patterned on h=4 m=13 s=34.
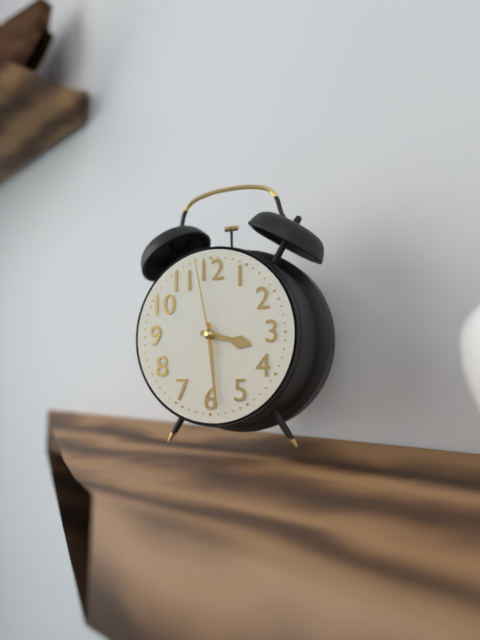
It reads h=3 m=29 s=58
